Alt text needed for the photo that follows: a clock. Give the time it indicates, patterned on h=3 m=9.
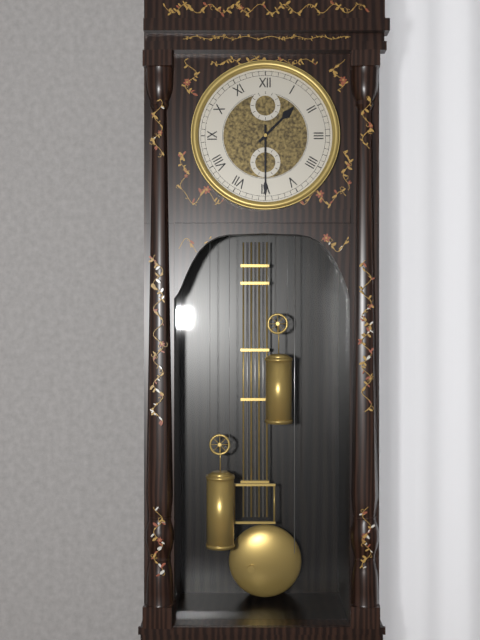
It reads h=1 m=30
